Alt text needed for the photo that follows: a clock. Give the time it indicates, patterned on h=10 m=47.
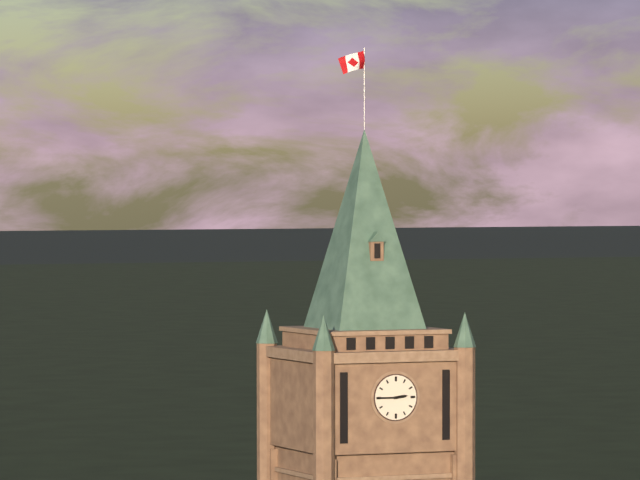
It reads h=2 m=45
